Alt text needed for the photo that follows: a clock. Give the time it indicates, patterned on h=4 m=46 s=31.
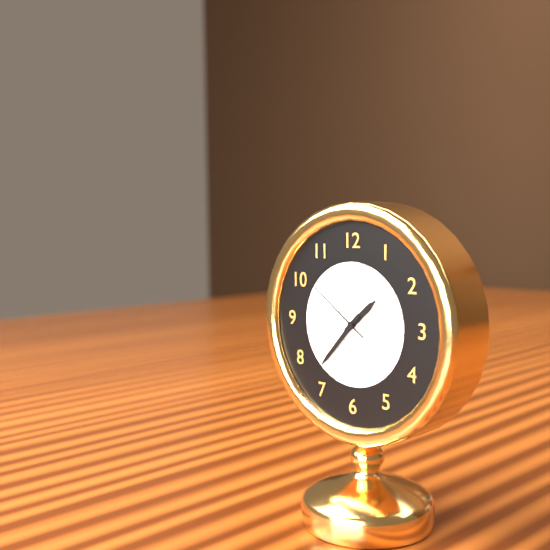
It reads h=1 m=37 s=51
